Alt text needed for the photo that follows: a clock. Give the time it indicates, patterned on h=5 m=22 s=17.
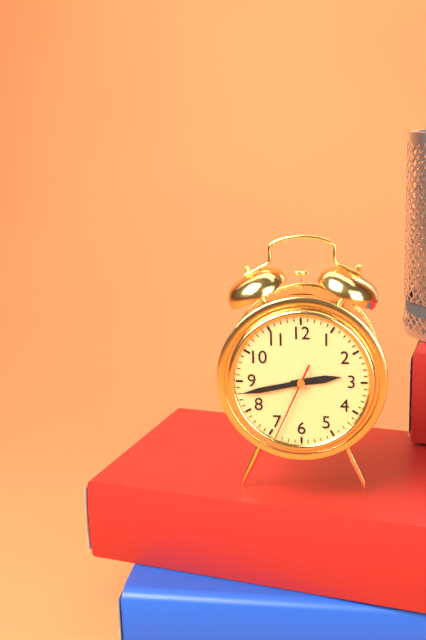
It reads h=2 m=43 s=34
